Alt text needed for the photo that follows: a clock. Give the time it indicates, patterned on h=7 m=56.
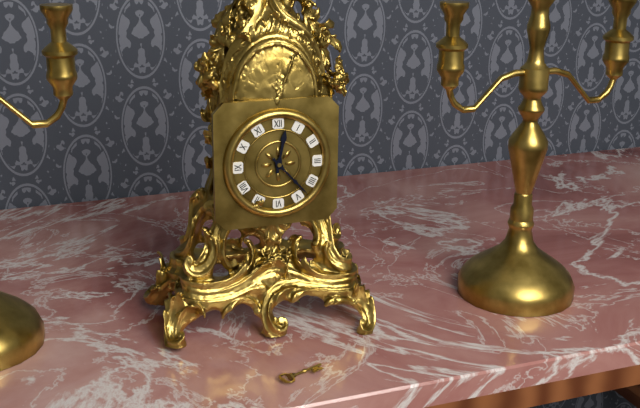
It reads h=12 m=23
